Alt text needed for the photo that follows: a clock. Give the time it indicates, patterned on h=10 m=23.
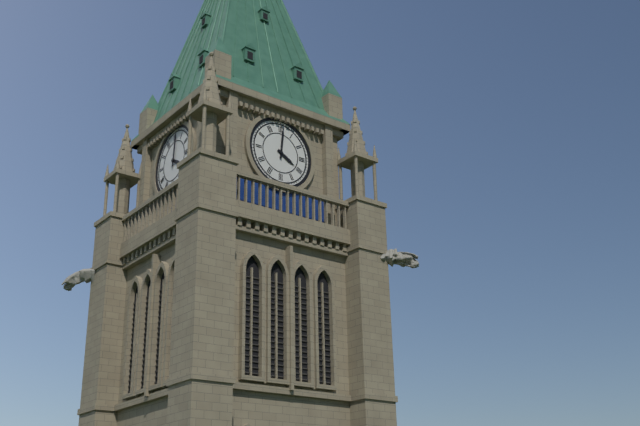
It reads h=4 m=1
